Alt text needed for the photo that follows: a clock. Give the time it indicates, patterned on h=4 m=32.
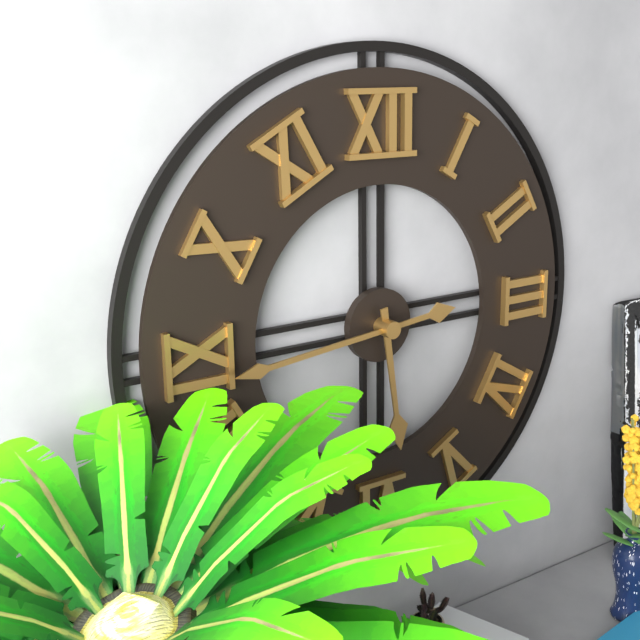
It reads h=5 m=44
